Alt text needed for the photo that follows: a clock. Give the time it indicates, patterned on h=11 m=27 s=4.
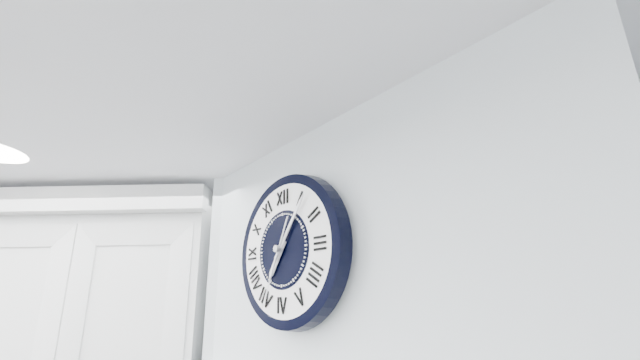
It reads h=7 m=6 s=34
